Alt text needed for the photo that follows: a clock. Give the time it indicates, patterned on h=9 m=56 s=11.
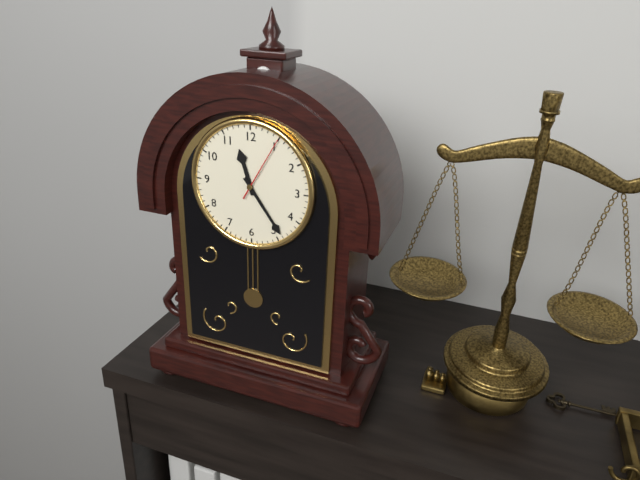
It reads h=11 m=24 s=5
